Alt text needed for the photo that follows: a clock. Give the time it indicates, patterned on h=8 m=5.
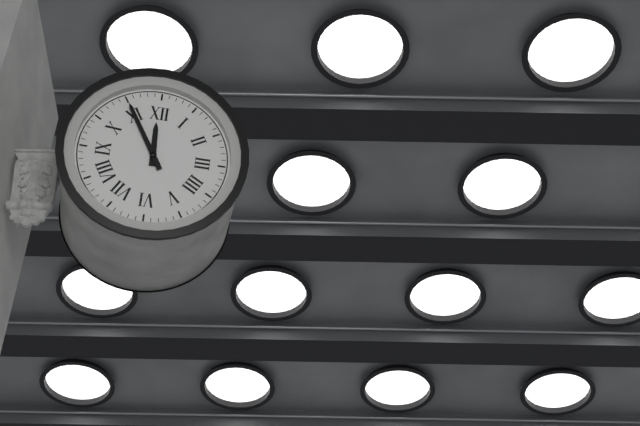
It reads h=11 m=55
